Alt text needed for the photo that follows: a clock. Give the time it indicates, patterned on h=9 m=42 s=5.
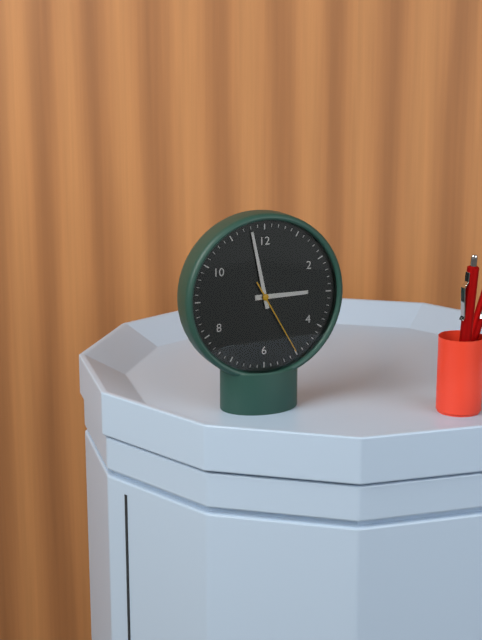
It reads h=2 m=58 s=25
